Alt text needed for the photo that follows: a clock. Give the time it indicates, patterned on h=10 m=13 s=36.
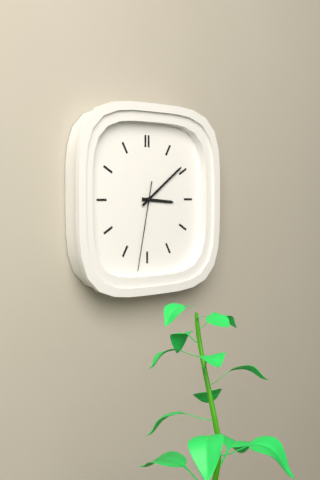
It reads h=3 m=9 s=32
